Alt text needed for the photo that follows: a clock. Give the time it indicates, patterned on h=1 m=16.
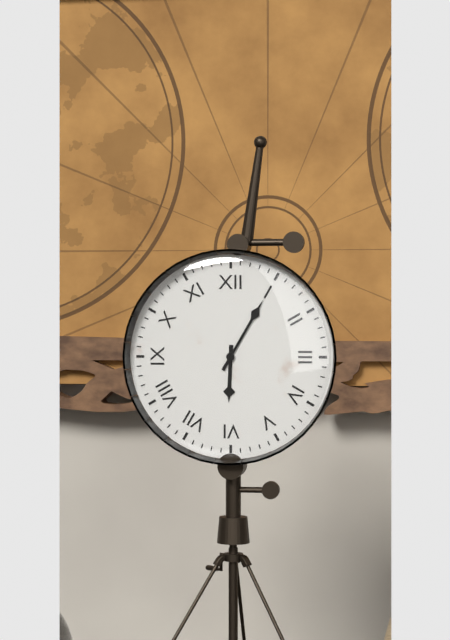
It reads h=6 m=5
